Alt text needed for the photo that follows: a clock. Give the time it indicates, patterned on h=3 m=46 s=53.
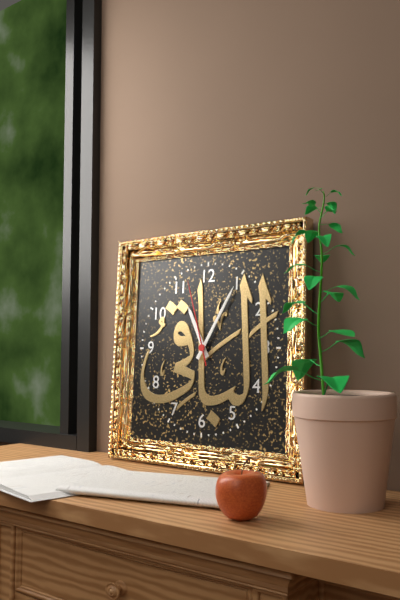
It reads h=11 m=5 s=57
